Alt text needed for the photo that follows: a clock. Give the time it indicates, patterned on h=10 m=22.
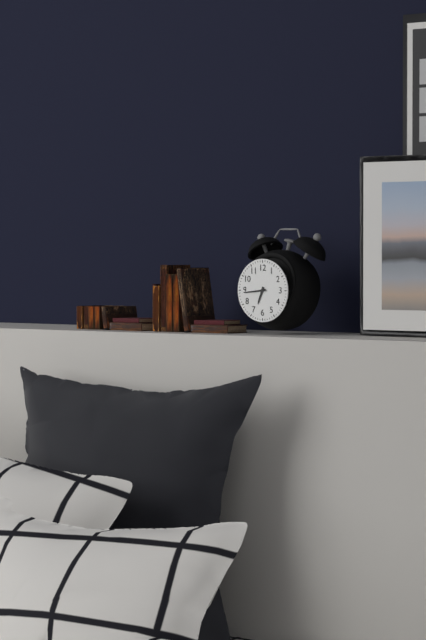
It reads h=6 m=44
